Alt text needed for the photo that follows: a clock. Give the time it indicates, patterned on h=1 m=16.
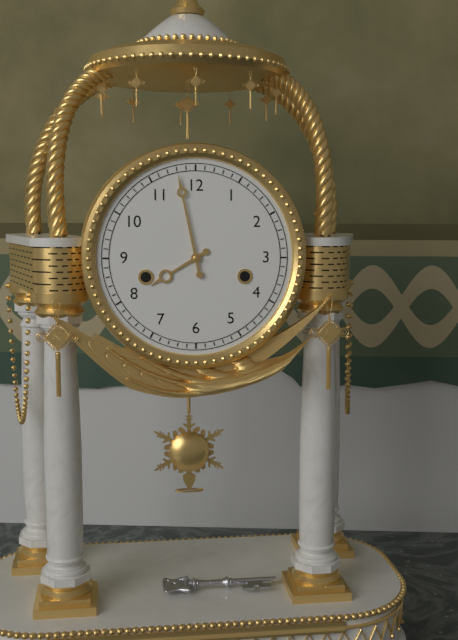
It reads h=7 m=58
